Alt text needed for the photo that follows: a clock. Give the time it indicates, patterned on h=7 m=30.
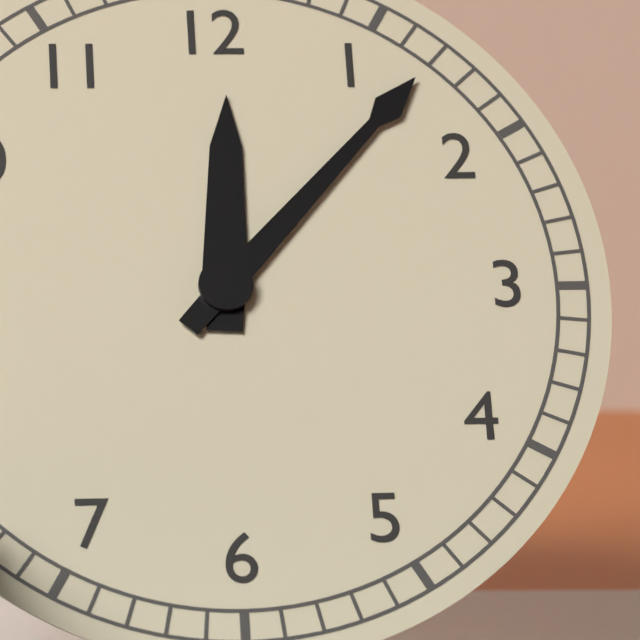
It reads h=12 m=7
